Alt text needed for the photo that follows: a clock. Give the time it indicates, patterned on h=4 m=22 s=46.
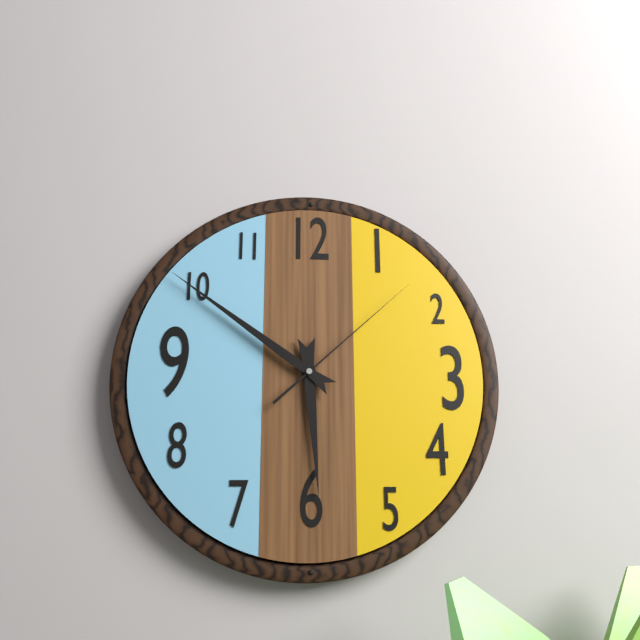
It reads h=5 m=51 s=8
